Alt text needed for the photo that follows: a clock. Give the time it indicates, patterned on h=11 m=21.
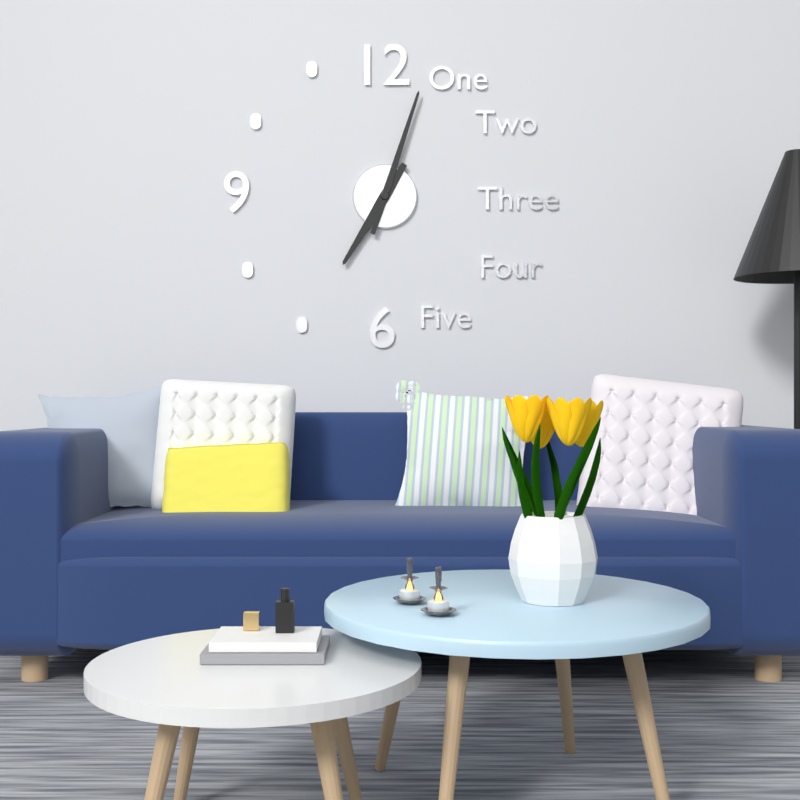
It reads h=7 m=3
